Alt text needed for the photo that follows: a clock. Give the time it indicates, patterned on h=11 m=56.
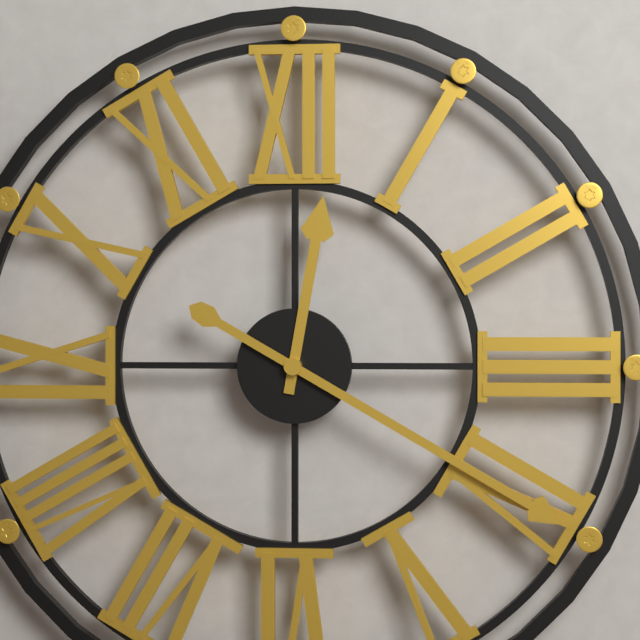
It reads h=12 m=20
